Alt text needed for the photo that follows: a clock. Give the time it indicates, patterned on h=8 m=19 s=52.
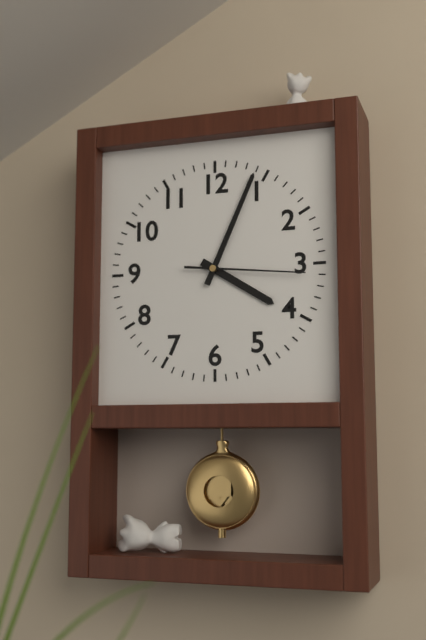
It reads h=4 m=4 s=16
